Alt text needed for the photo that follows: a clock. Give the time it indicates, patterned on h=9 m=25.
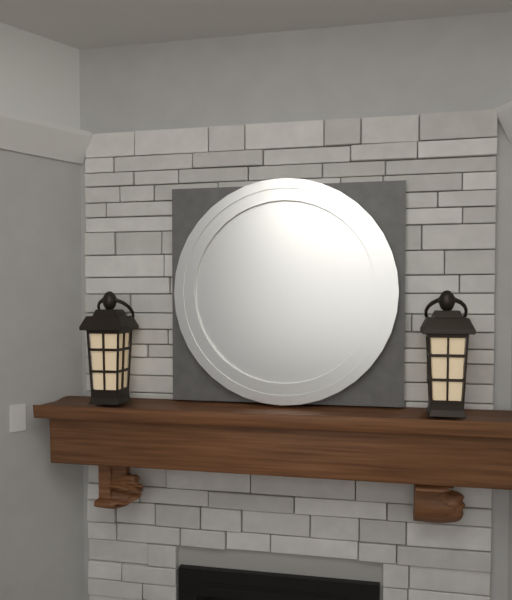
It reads h=3 m=51
